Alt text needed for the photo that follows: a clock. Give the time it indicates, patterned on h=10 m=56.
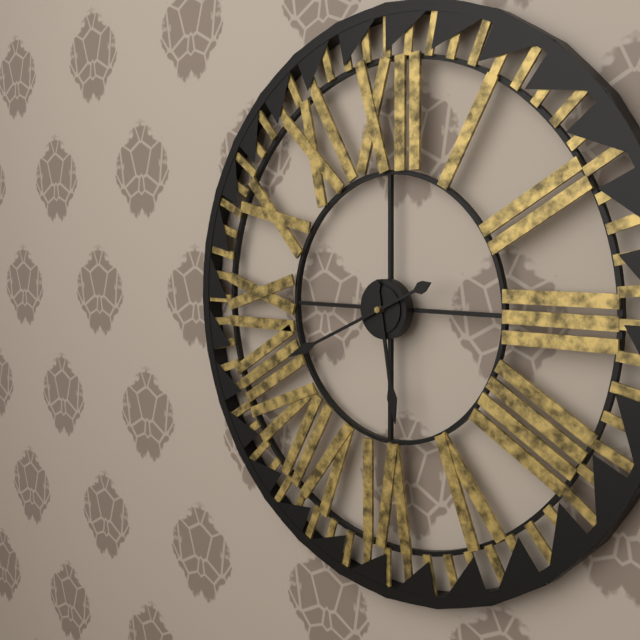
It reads h=5 m=41
